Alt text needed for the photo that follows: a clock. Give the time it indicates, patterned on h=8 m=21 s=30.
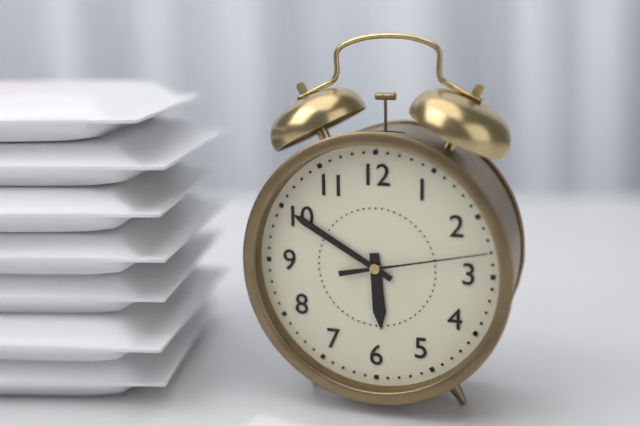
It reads h=5 m=50 s=13
